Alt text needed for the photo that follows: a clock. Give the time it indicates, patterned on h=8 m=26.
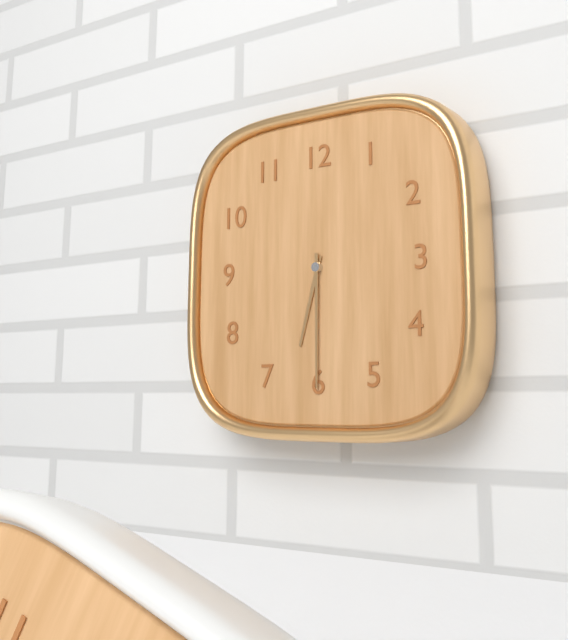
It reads h=6 m=30
